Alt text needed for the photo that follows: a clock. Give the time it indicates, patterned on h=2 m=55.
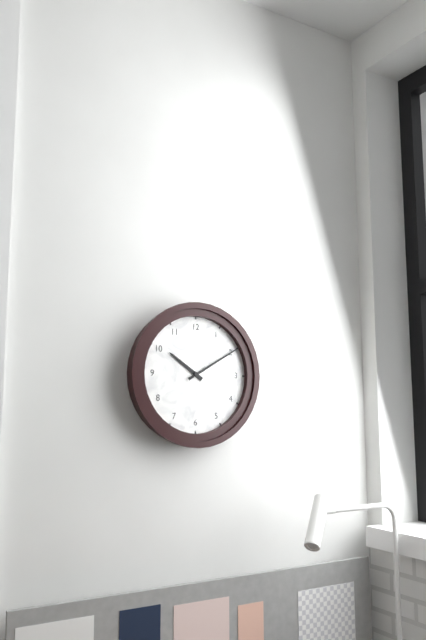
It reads h=10 m=10
